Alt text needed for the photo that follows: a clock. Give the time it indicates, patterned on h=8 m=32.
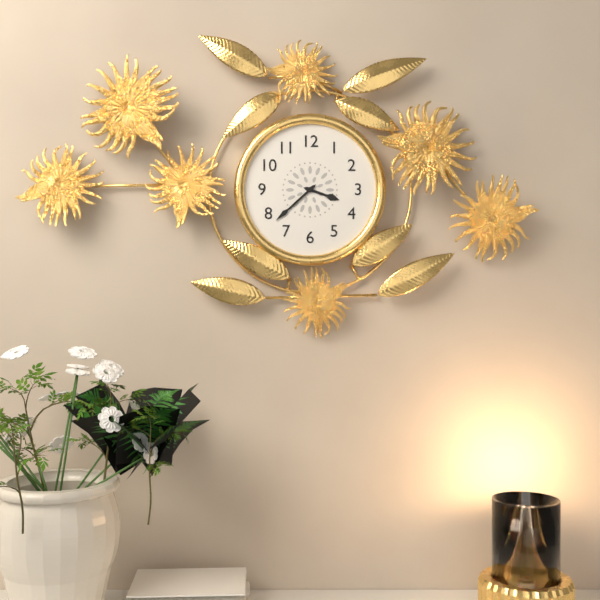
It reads h=3 m=38
